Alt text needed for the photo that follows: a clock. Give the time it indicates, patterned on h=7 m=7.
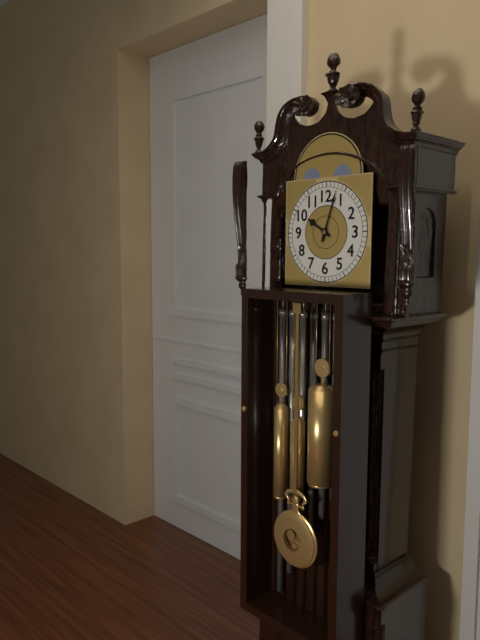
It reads h=10 m=3
